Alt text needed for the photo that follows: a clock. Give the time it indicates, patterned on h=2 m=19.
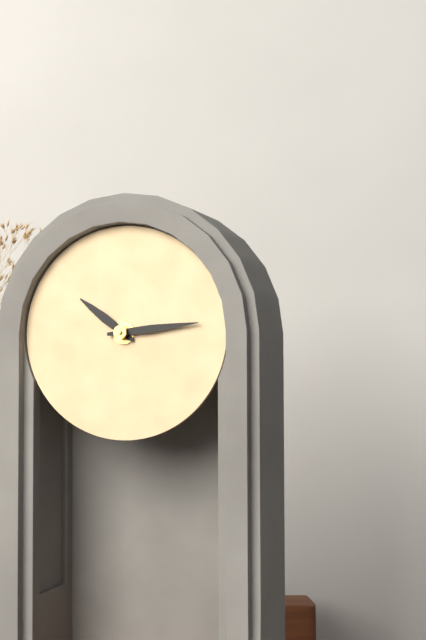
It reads h=10 m=14
